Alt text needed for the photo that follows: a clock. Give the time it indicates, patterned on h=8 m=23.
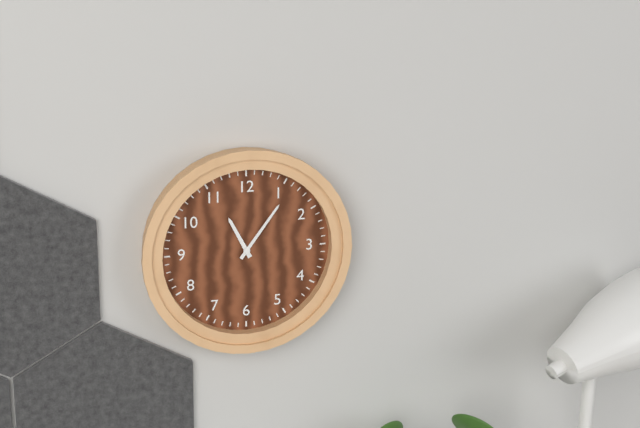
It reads h=11 m=6
